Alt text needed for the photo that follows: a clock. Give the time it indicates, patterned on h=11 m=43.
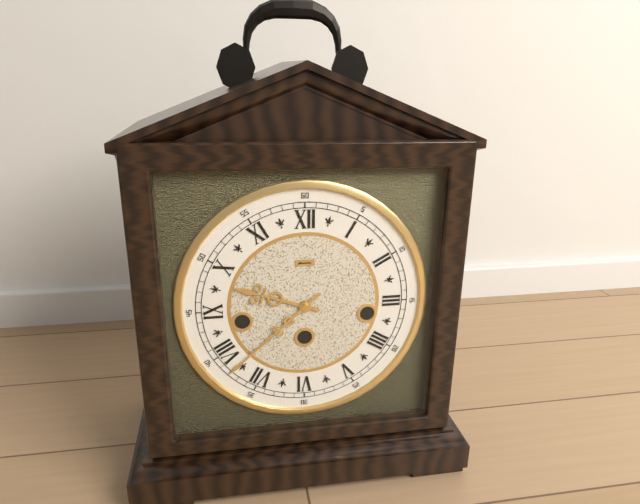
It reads h=9 m=38
